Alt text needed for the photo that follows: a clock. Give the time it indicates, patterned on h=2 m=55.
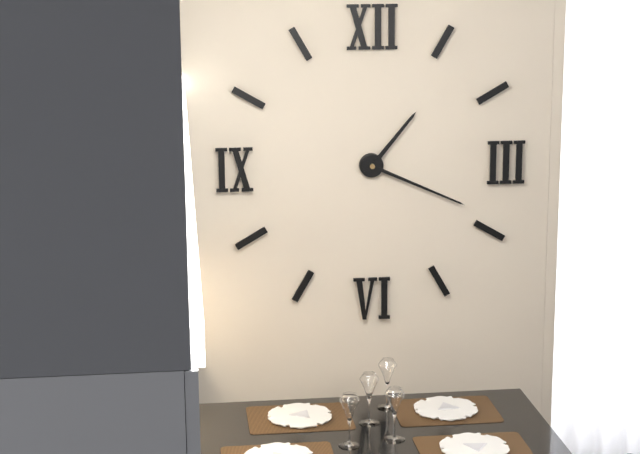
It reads h=1 m=19
